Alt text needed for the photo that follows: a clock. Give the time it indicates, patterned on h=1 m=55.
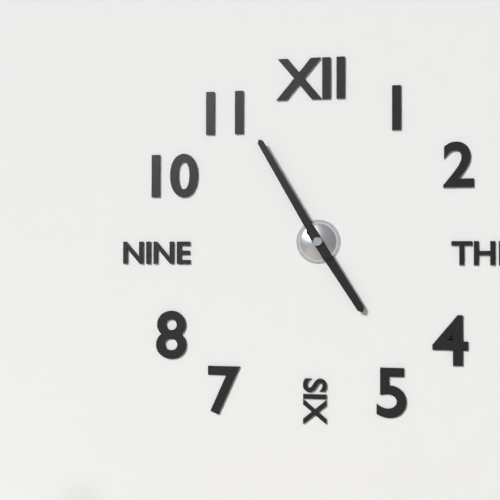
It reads h=4 m=55
